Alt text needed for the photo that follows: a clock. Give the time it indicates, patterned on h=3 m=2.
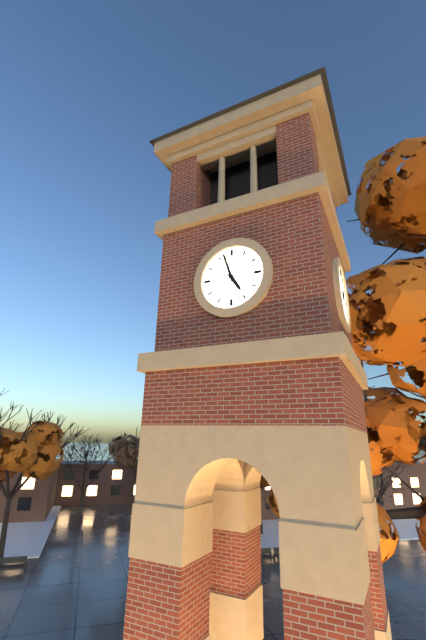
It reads h=4 m=57
